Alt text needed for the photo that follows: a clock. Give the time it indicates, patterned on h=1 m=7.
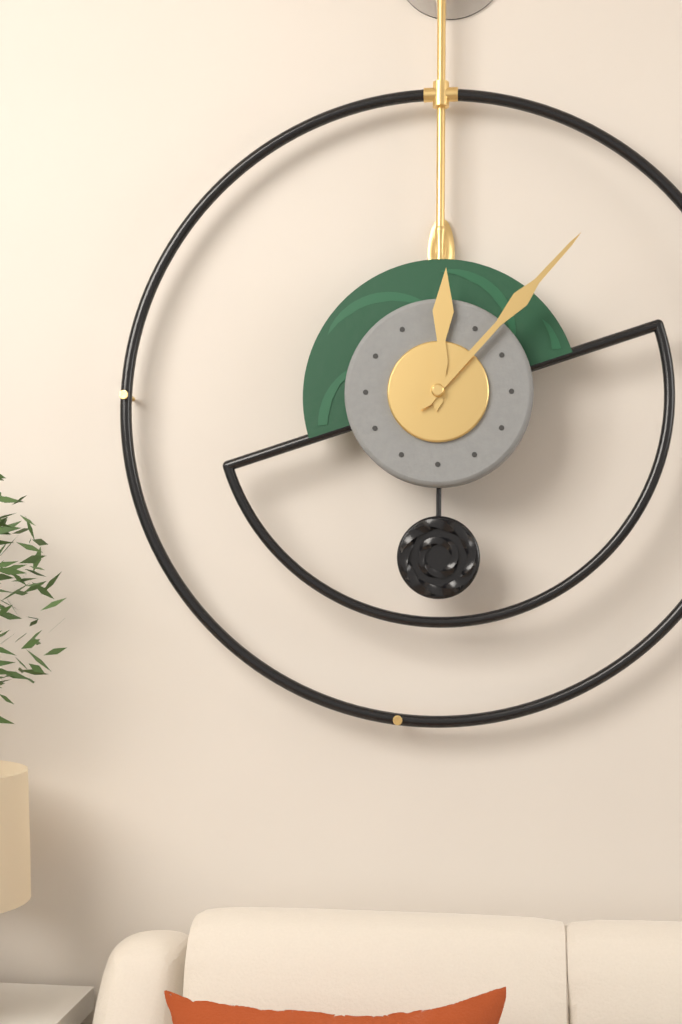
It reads h=12 m=7
